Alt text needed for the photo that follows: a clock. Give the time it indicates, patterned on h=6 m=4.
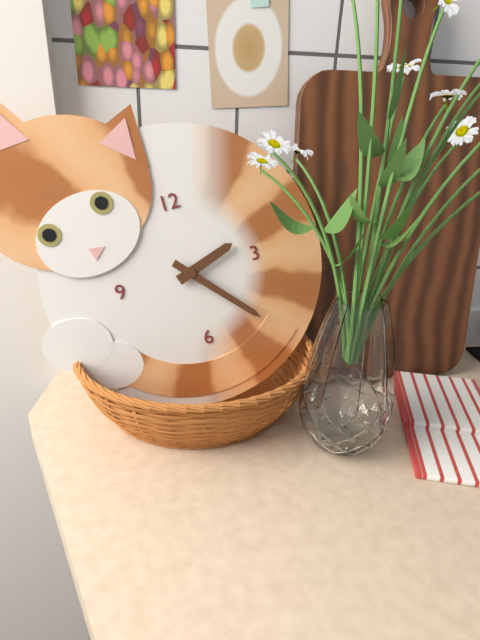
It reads h=2 m=23
